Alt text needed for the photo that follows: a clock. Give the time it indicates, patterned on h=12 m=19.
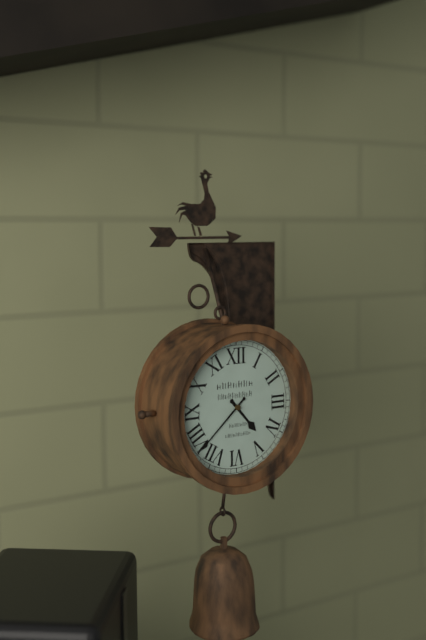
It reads h=4 m=38
